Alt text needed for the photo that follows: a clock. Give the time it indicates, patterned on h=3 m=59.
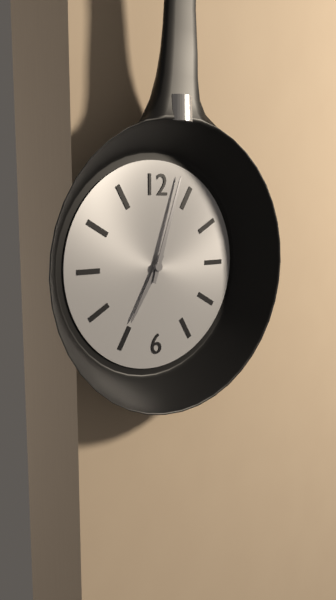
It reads h=7 m=3
